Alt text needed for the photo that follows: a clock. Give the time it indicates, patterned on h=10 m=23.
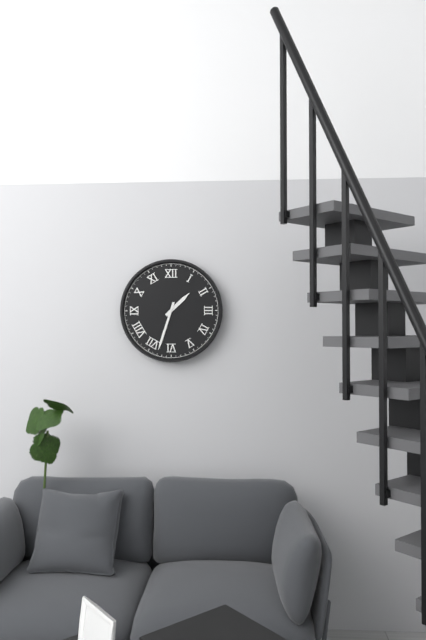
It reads h=1 m=33
